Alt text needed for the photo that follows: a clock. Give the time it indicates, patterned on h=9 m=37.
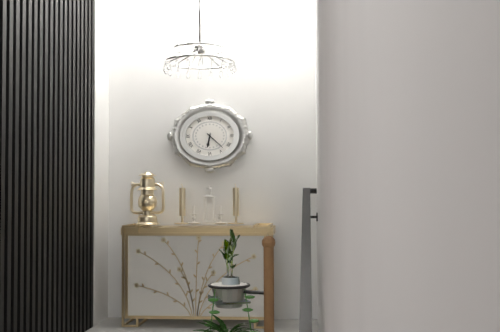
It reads h=6 m=22
